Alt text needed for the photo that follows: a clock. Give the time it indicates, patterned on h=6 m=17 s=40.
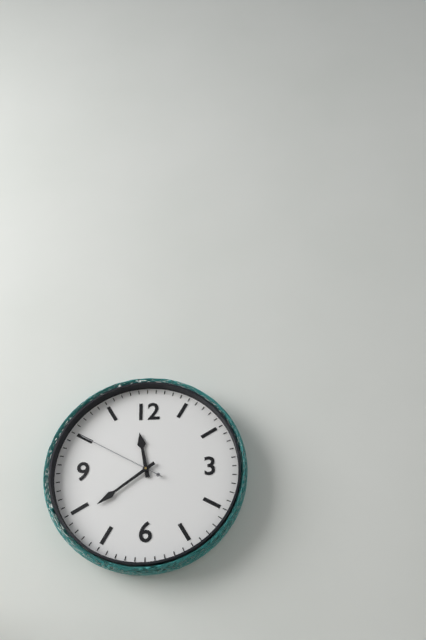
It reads h=11 m=39 s=50
